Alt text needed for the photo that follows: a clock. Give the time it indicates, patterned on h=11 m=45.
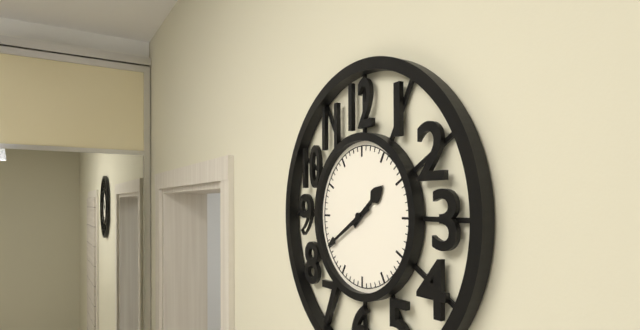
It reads h=1 m=40
